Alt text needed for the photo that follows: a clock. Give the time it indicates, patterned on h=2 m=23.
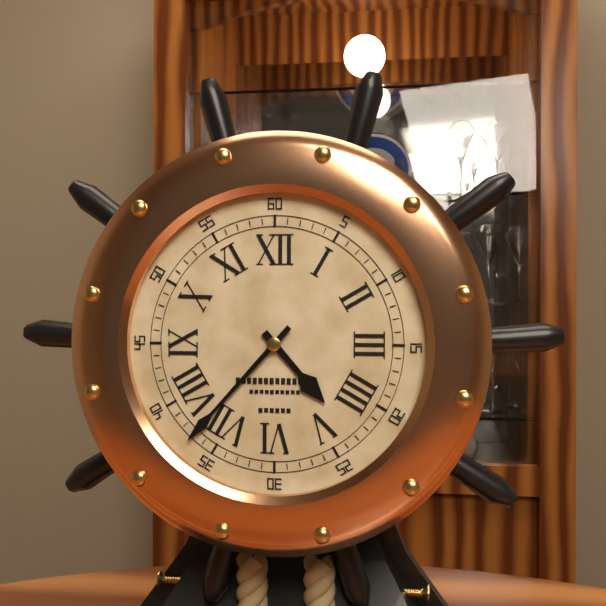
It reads h=4 m=37
